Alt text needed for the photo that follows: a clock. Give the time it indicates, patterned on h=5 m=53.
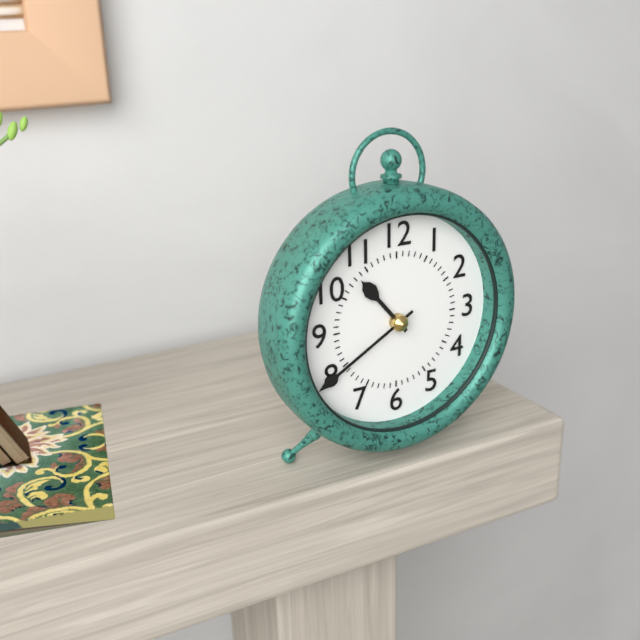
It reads h=10 m=40
